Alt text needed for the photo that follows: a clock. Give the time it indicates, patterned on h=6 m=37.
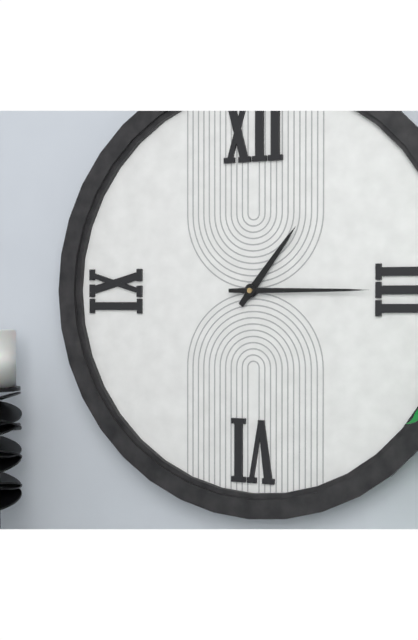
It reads h=1 m=15
